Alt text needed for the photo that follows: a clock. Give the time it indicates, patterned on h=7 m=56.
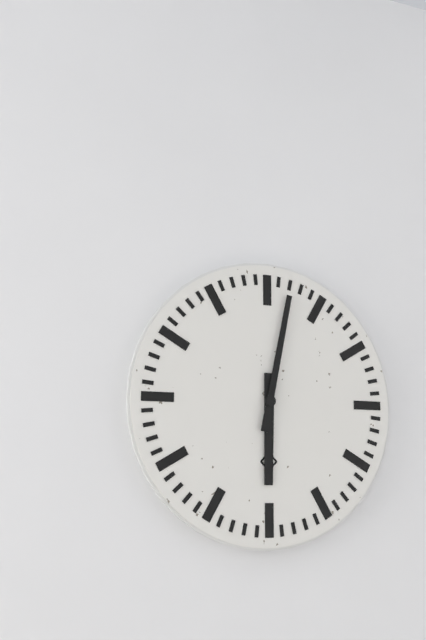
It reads h=6 m=2
